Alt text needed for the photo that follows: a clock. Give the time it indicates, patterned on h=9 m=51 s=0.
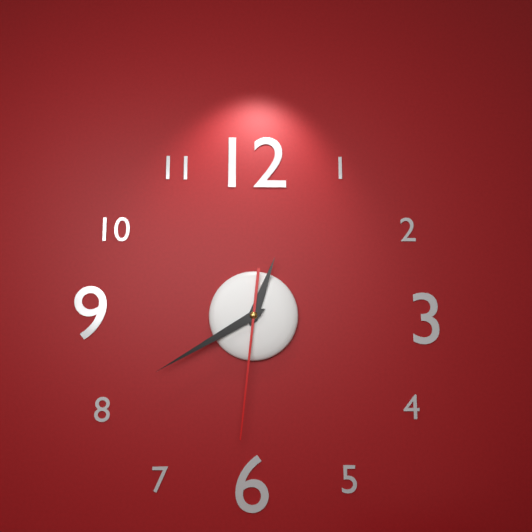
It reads h=12 m=40 s=31
